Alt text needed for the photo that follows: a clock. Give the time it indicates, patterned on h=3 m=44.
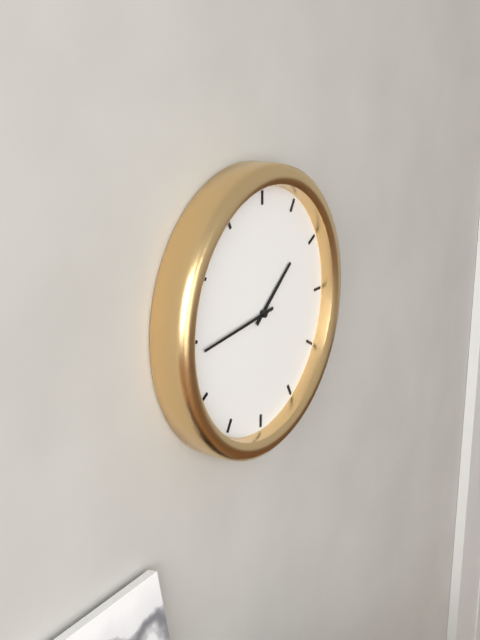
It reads h=1 m=44
